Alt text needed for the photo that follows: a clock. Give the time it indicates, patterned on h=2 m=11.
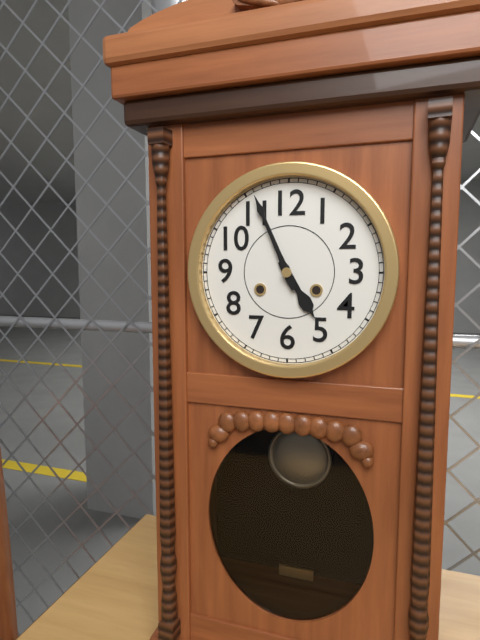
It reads h=4 m=56
